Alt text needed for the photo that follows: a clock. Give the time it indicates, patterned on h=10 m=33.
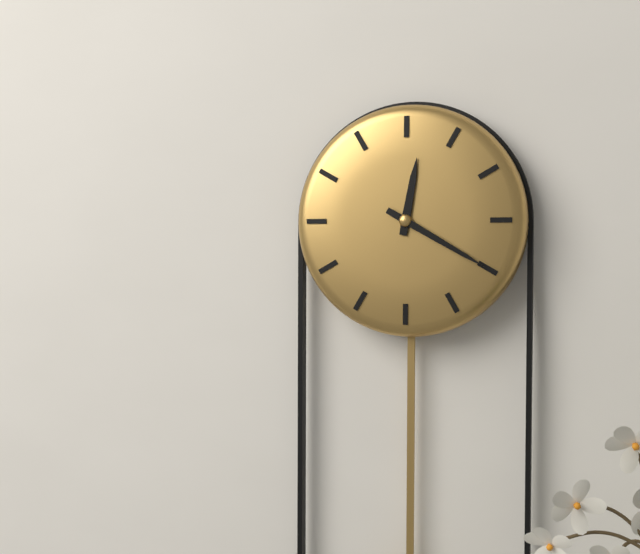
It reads h=12 m=20
